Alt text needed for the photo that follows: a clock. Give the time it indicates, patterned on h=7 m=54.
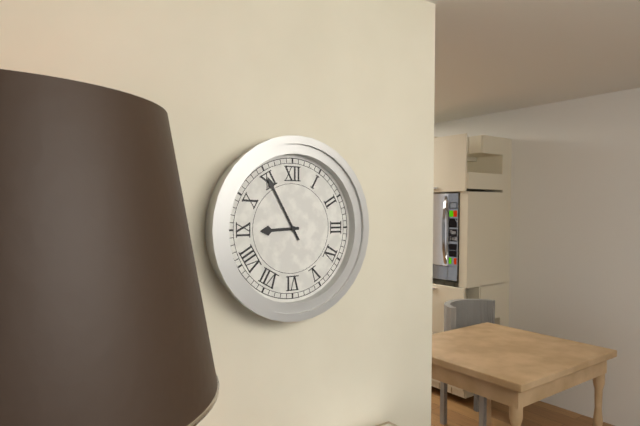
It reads h=8 m=55
